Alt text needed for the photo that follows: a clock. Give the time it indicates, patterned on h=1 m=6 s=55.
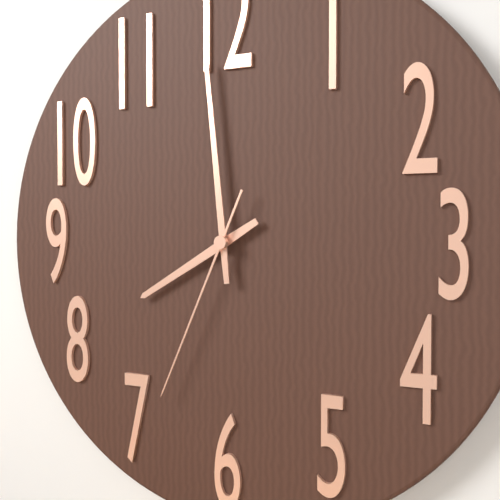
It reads h=7 m=59 s=34
